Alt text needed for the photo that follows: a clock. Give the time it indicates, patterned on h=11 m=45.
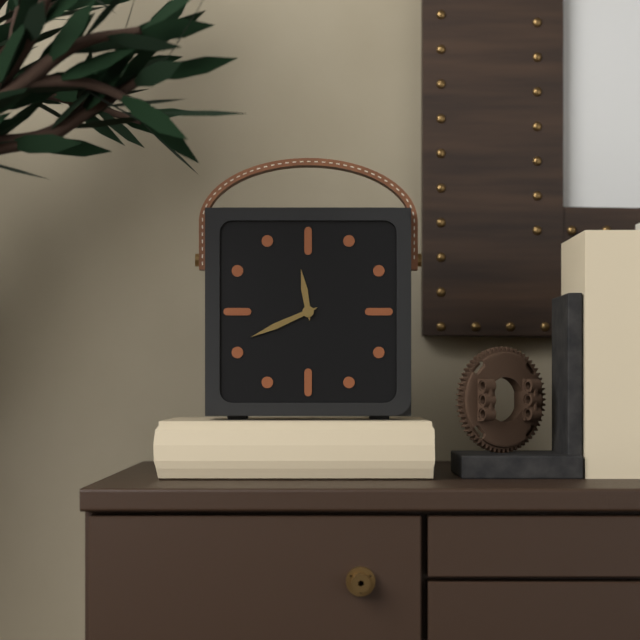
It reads h=11 m=41
